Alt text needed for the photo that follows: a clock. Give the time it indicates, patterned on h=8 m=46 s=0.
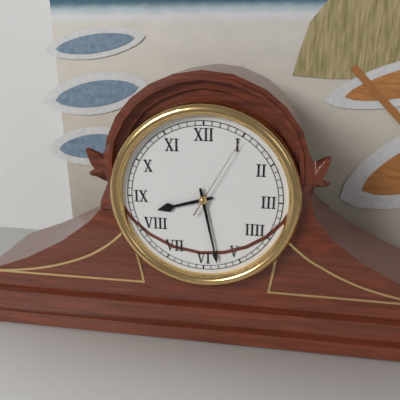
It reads h=8 m=28 s=5
